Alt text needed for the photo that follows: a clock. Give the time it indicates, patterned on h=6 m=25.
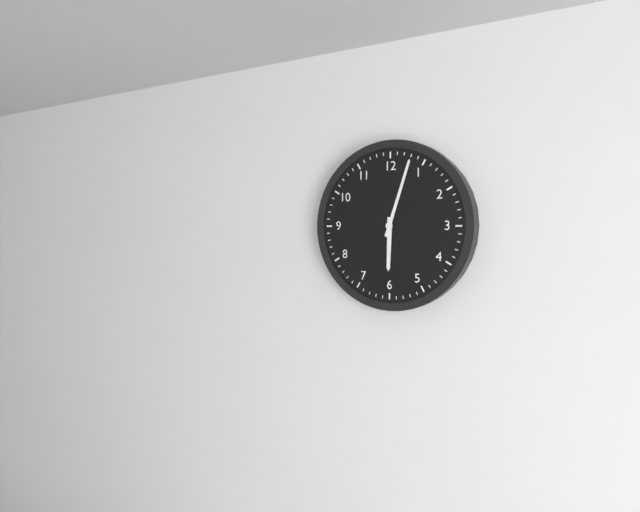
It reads h=6 m=3
